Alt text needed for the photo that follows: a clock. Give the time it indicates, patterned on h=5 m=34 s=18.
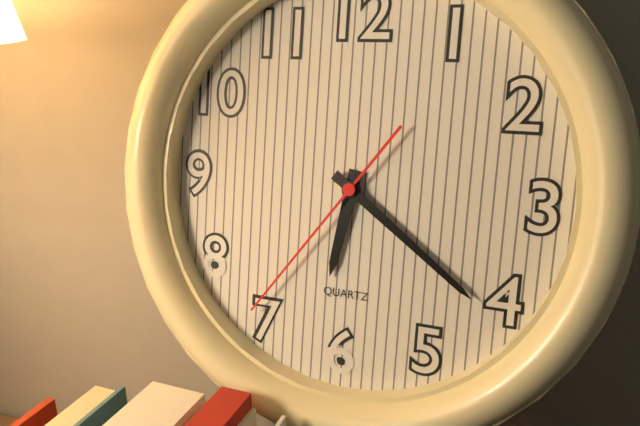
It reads h=6 m=21 s=36
